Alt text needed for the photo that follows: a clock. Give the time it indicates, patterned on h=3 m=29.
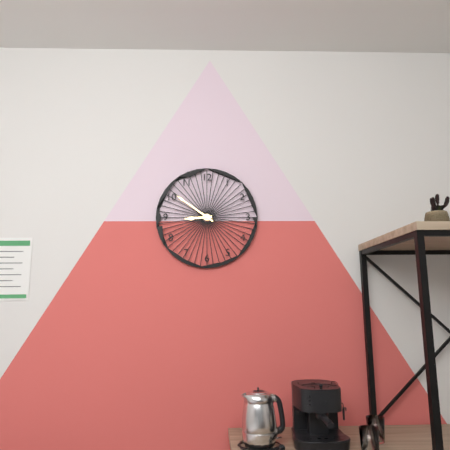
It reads h=8 m=51
